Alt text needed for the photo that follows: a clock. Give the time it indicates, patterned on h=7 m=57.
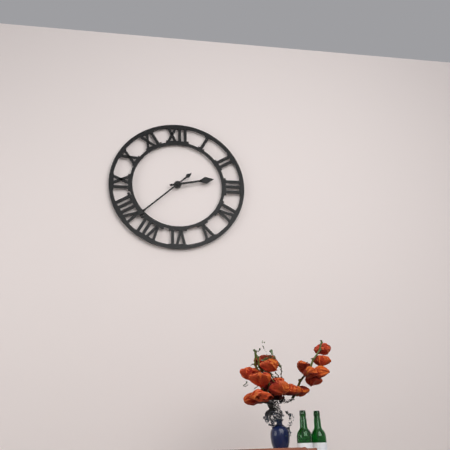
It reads h=2 m=38
